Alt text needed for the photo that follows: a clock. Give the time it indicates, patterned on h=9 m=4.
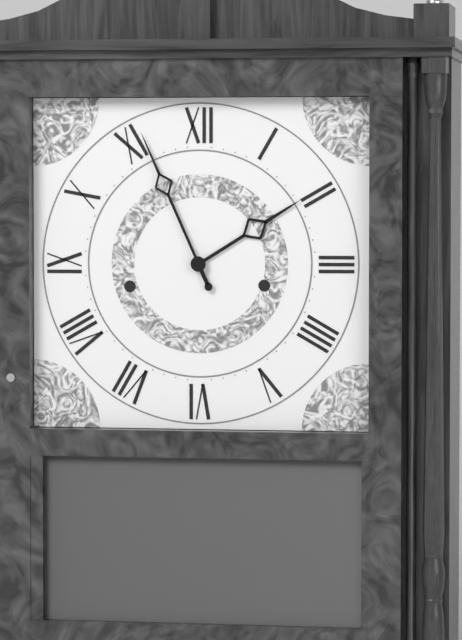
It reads h=1 m=56
